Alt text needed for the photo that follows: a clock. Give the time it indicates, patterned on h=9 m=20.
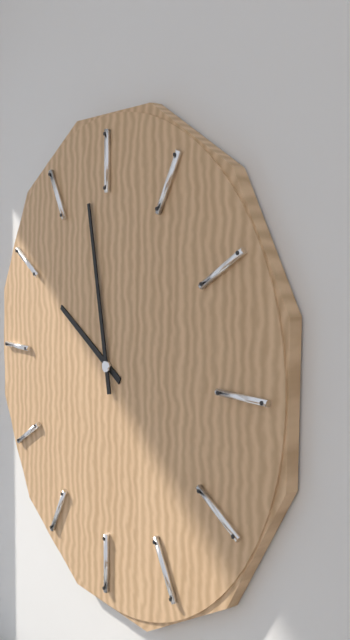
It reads h=9 m=58
